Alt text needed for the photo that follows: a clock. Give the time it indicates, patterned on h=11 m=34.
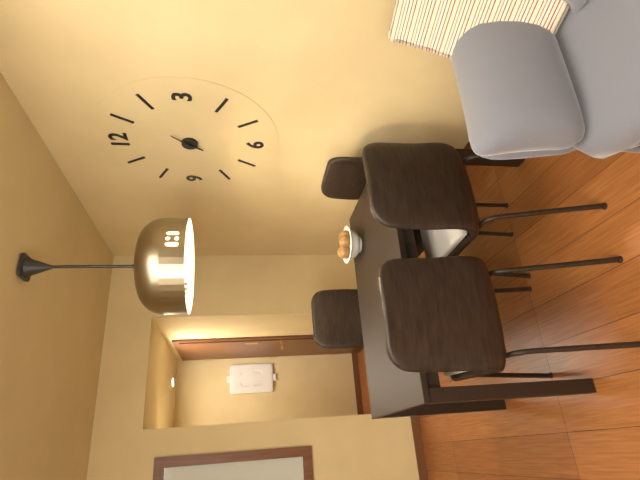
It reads h=7 m=7
